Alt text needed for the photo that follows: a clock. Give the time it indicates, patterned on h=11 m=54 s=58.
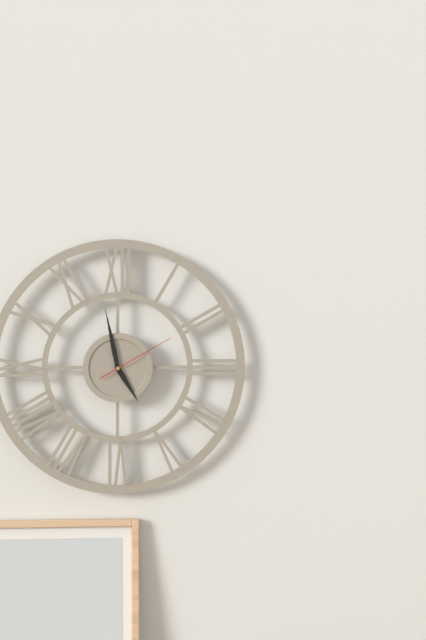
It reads h=4 m=58 s=10
